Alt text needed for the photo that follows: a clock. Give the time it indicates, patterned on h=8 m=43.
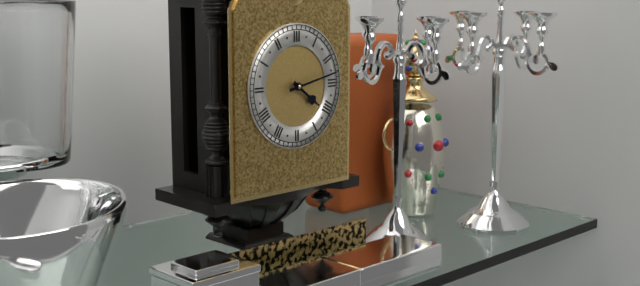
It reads h=4 m=13
